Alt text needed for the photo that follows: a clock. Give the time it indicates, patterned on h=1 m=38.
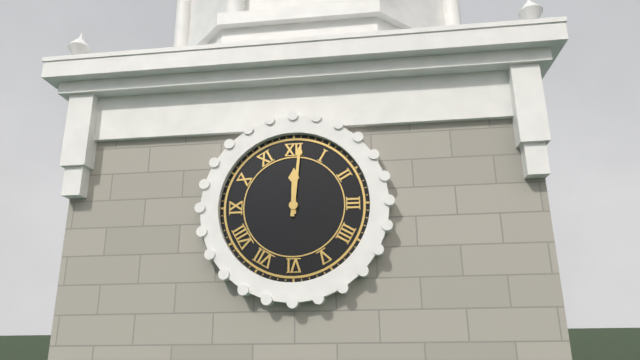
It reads h=12 m=1
